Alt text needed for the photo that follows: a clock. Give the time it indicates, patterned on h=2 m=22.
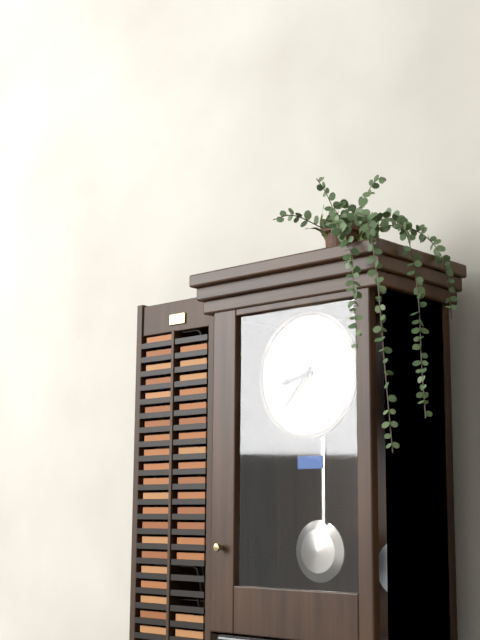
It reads h=8 m=37
